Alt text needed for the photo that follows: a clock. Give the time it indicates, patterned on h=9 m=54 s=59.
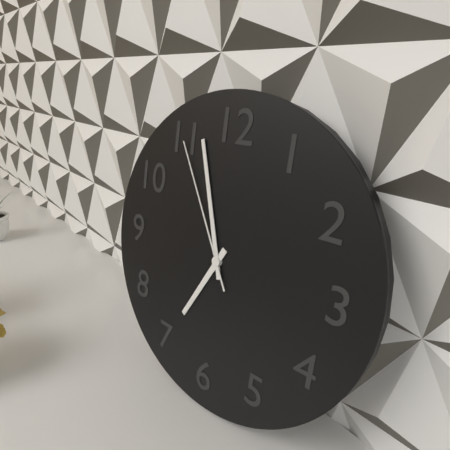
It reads h=6 m=57 s=55
